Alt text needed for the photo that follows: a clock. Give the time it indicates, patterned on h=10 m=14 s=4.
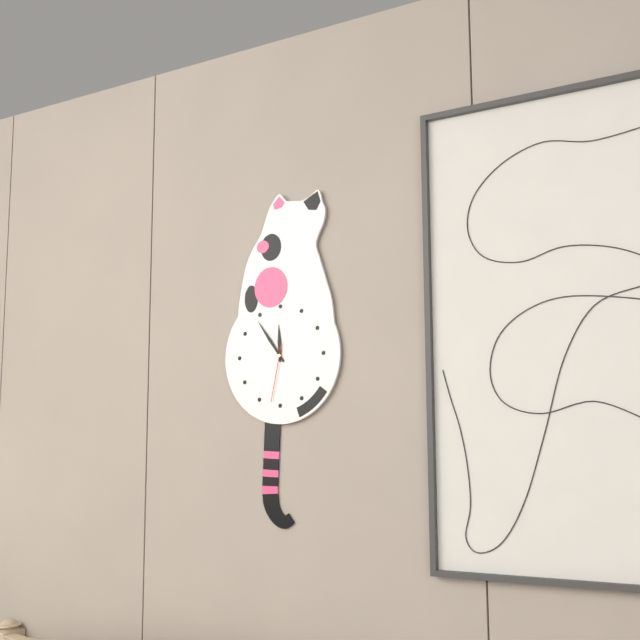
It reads h=11 m=54 s=32
